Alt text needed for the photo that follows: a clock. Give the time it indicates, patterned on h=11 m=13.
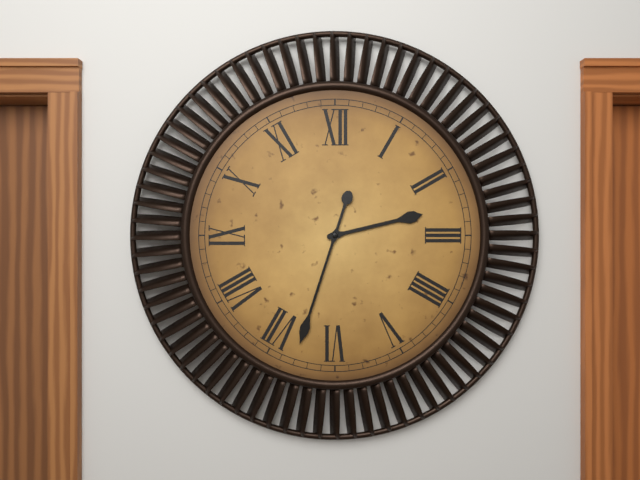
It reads h=2 m=33
